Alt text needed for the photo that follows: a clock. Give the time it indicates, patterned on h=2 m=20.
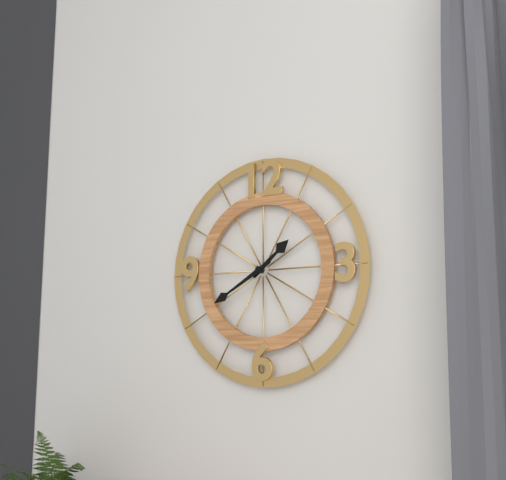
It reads h=1 m=40
